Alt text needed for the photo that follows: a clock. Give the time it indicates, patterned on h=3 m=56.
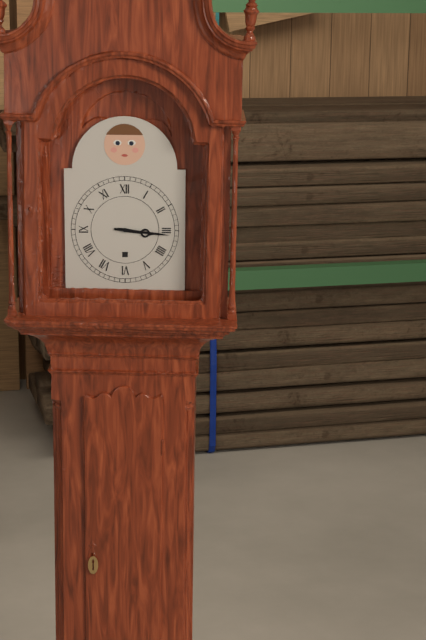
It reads h=3 m=16
